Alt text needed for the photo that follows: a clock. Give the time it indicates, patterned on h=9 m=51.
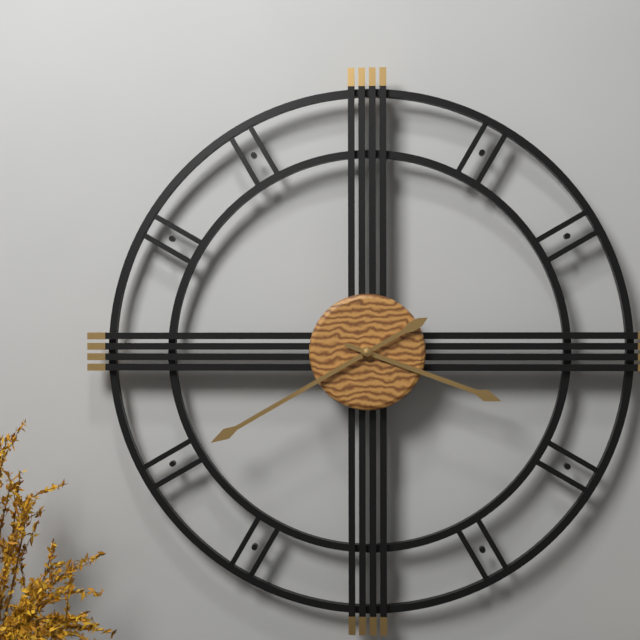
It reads h=3 m=40
